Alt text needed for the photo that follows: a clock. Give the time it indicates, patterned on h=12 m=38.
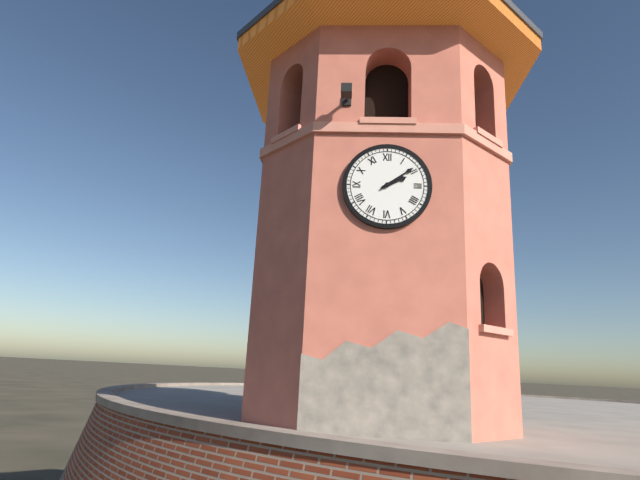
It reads h=2 m=9
